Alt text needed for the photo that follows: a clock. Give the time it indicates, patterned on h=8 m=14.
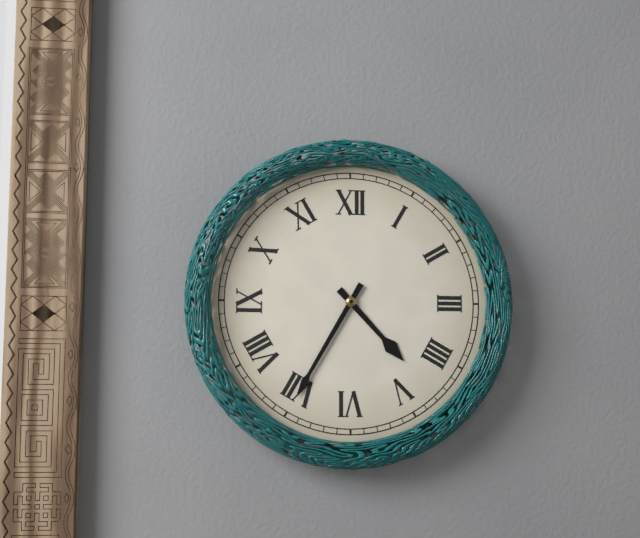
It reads h=4 m=35
